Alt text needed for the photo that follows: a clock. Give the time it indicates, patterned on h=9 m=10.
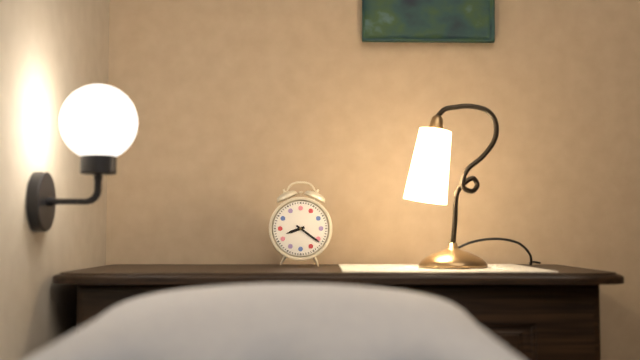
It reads h=8 m=21
